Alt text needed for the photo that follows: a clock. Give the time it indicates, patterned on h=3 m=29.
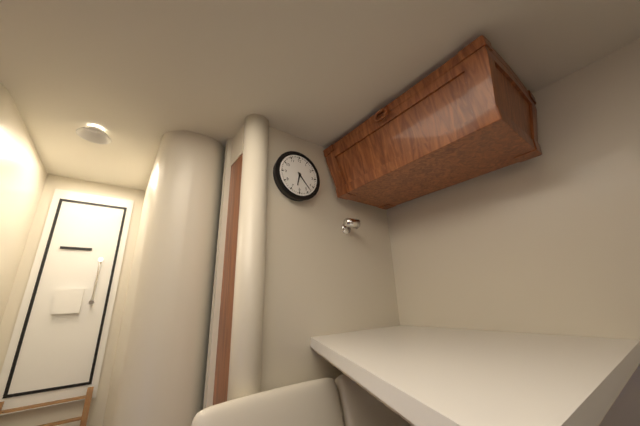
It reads h=6 m=23
